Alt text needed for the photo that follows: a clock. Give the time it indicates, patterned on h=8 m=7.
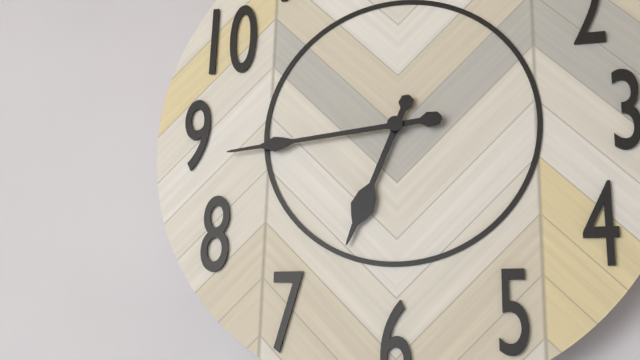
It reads h=6 m=44
